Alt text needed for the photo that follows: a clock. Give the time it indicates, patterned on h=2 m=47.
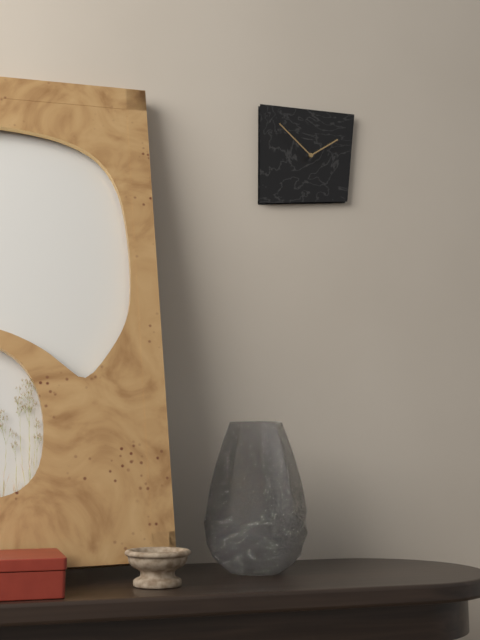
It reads h=1 m=52
